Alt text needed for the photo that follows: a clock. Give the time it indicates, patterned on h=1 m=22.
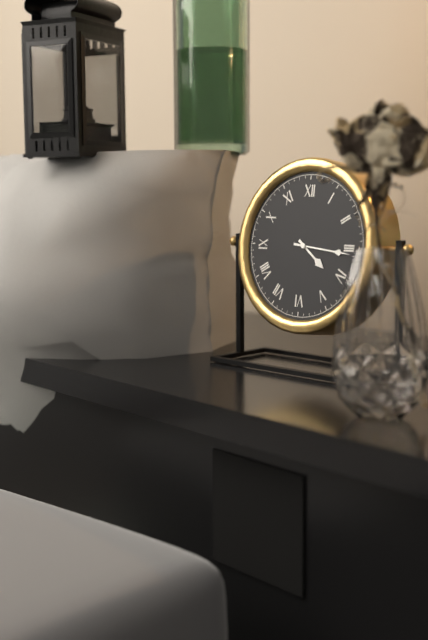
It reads h=4 m=16
